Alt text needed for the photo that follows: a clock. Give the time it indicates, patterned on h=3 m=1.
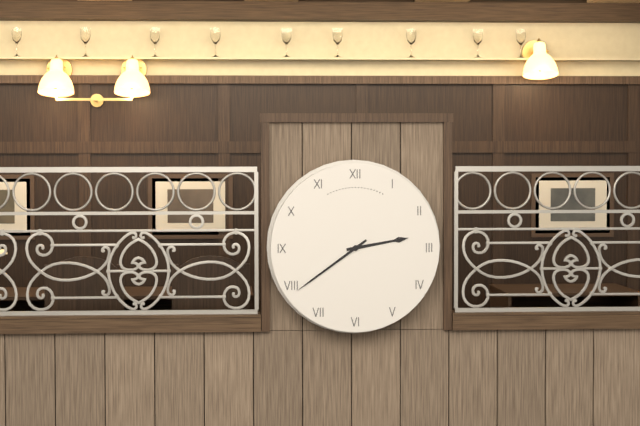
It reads h=2 m=39
